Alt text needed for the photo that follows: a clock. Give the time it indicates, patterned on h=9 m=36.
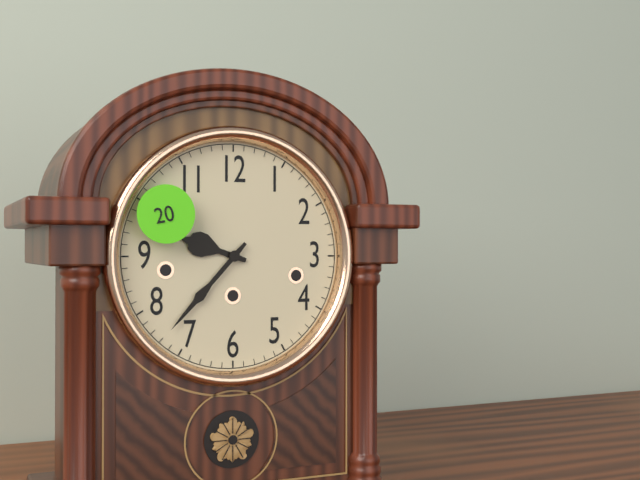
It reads h=9 m=37
